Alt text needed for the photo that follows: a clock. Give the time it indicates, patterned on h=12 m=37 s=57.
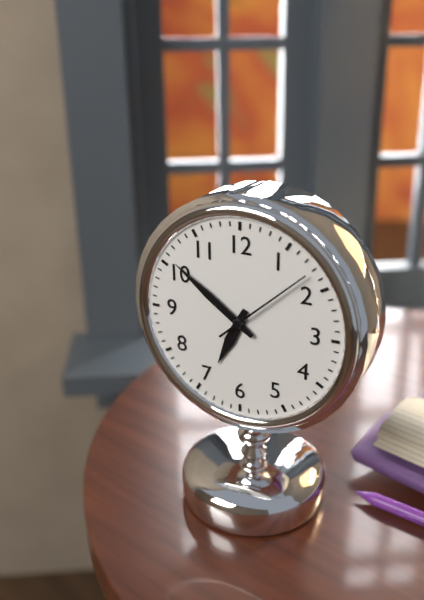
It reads h=6 m=51 s=8
